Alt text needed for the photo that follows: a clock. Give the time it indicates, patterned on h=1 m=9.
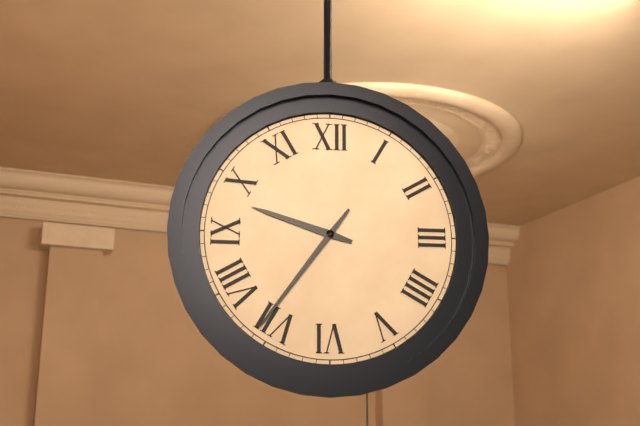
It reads h=9 m=36
